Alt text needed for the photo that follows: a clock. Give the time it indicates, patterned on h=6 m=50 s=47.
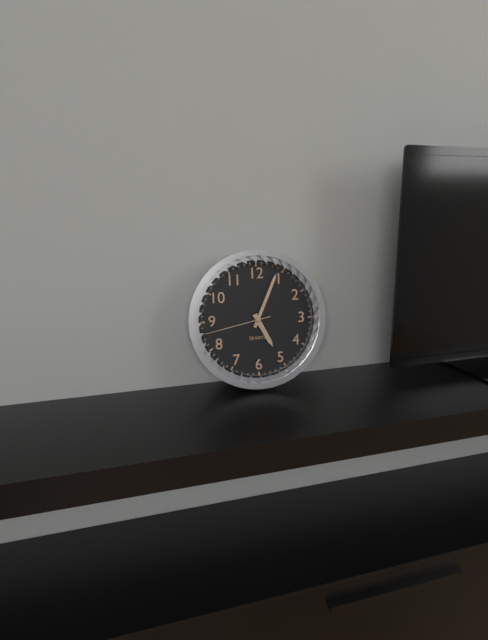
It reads h=5 m=4 s=43
